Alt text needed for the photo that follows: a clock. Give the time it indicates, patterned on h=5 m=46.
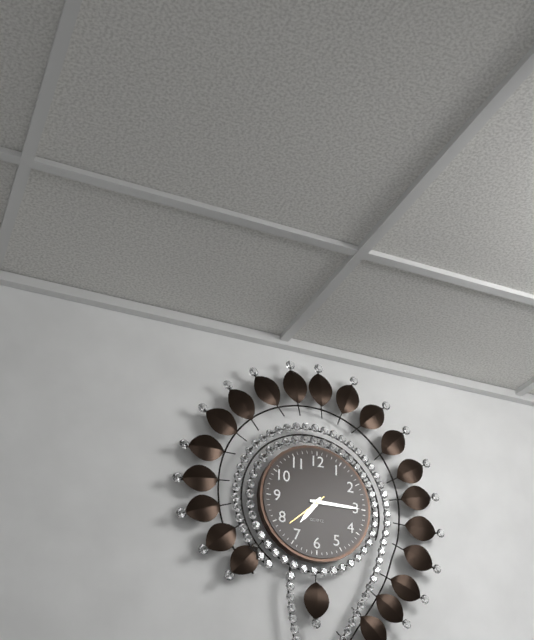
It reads h=7 m=15
